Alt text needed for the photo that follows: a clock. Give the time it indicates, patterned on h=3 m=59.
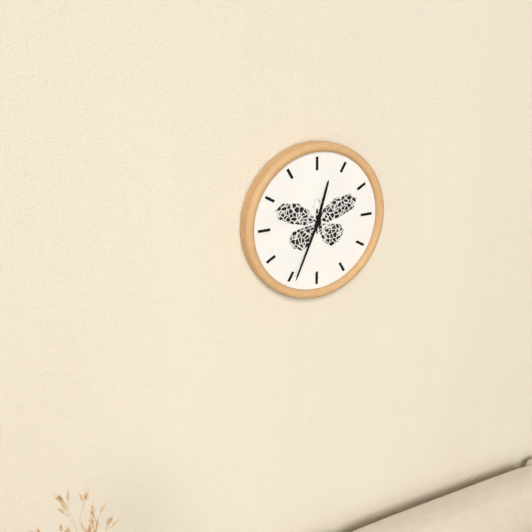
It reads h=12 m=34
